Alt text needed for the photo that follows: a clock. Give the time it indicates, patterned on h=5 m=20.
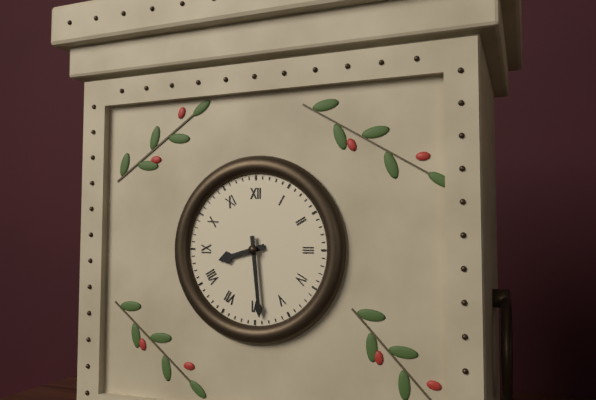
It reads h=8 m=29
